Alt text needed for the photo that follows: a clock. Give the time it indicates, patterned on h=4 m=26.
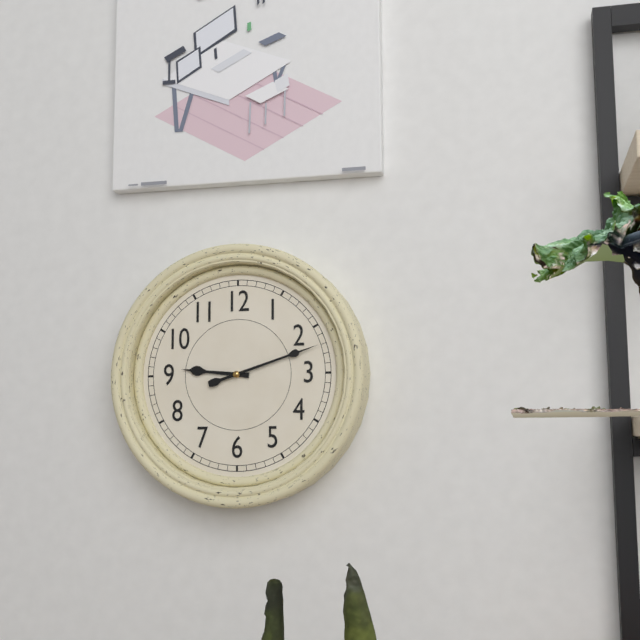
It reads h=9 m=12
